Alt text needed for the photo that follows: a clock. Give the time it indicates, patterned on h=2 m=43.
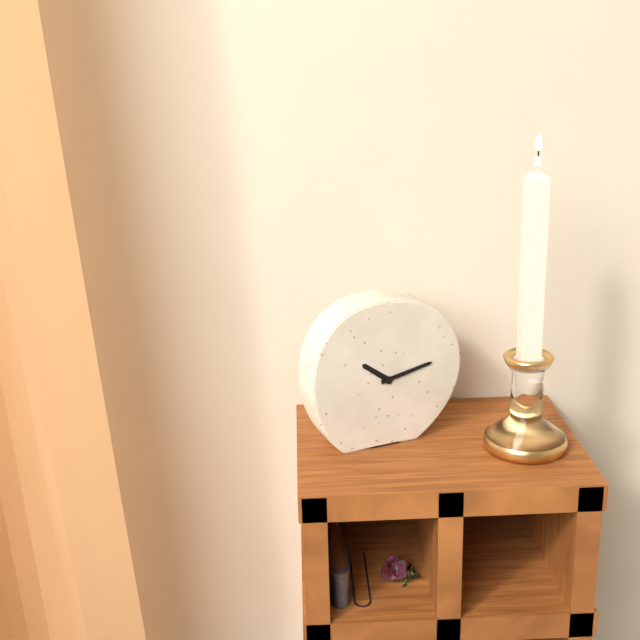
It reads h=10 m=13
